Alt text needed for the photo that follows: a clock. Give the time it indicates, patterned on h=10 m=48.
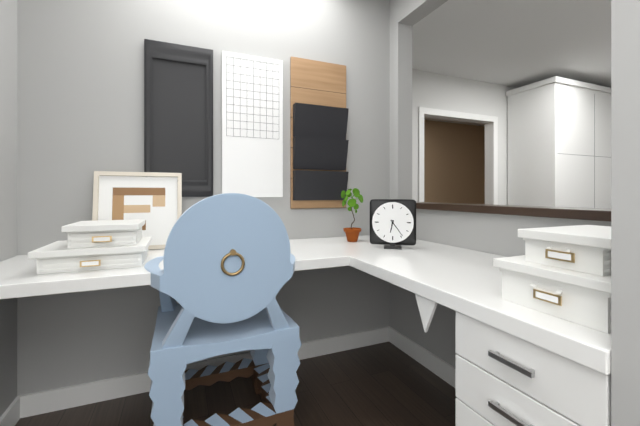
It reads h=6 m=24
